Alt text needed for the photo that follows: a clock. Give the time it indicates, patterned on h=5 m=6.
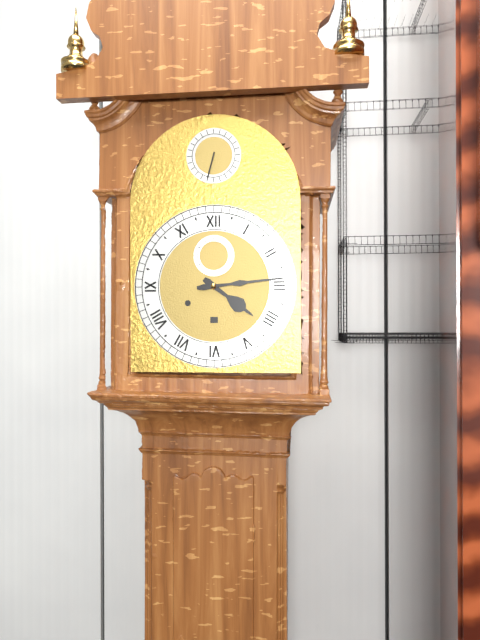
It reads h=4 m=14
